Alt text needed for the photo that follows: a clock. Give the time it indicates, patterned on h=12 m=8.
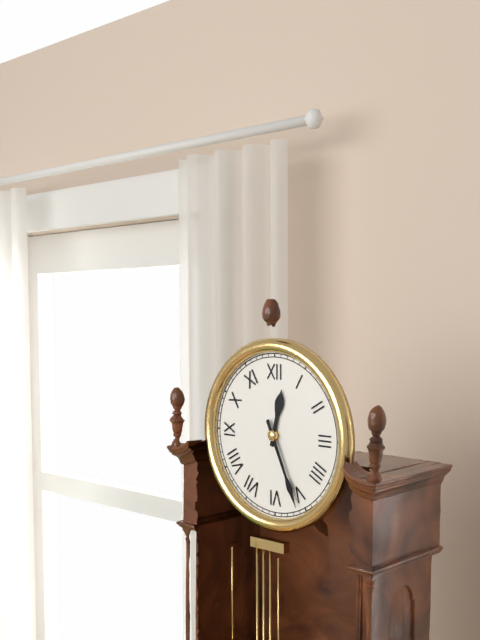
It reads h=12 m=26
